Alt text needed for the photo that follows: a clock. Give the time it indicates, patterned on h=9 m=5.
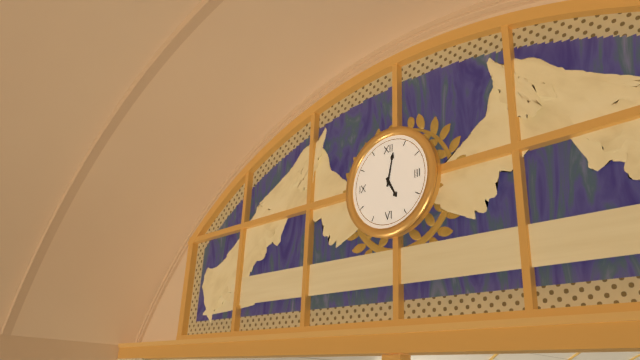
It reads h=5 m=2
